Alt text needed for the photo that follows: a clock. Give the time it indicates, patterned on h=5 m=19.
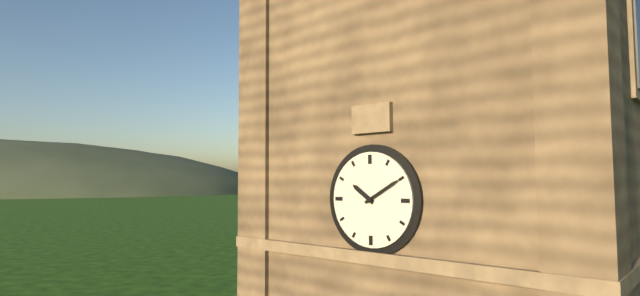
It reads h=10 m=10
